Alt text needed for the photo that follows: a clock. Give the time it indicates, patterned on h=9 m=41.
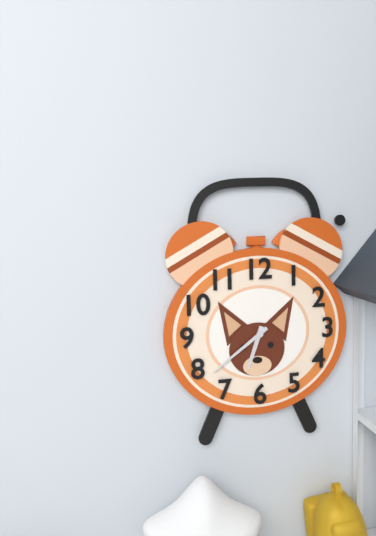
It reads h=6 m=39
